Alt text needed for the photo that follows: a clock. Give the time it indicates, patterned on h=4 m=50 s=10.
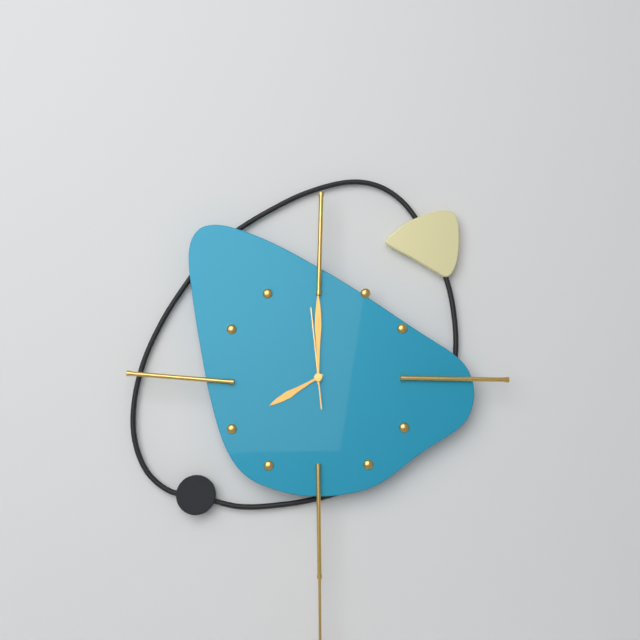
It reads h=8 m=0 s=59
